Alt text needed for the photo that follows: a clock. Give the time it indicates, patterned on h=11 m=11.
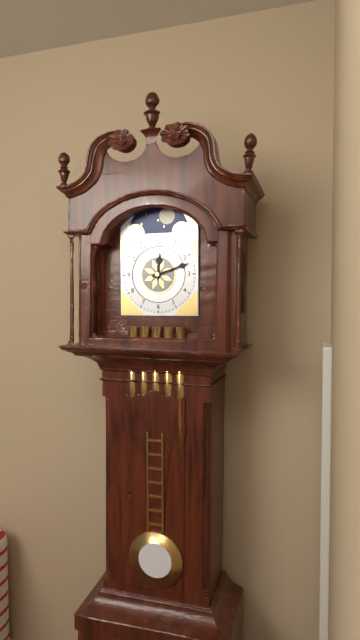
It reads h=12 m=12
